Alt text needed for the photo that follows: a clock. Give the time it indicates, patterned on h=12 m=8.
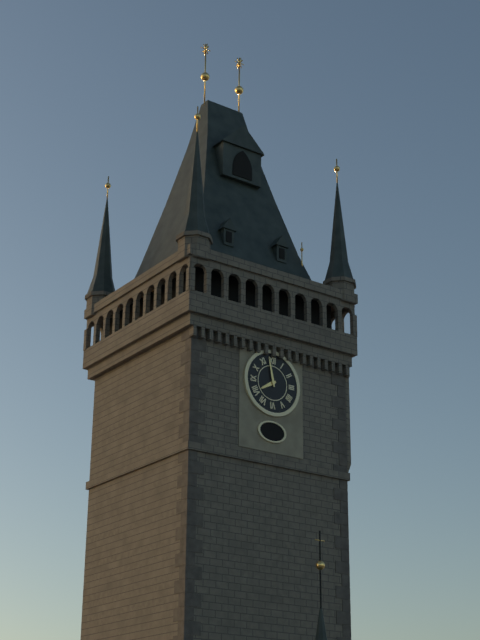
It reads h=7 m=58
